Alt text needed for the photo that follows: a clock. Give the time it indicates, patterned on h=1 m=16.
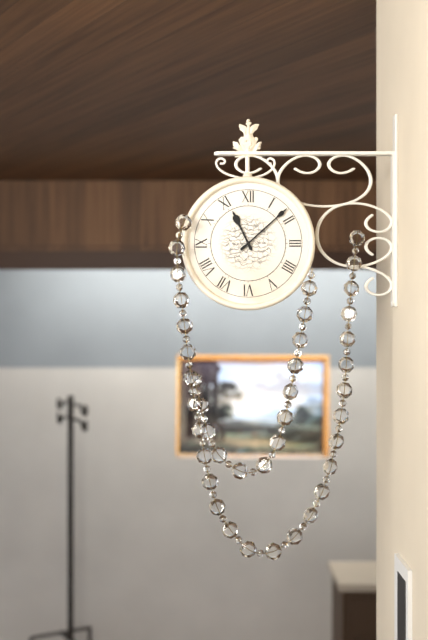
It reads h=11 m=8
